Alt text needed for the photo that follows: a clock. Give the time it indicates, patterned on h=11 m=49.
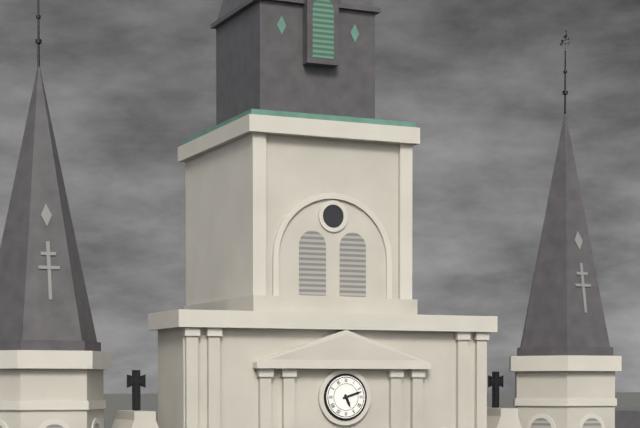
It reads h=5 m=12
